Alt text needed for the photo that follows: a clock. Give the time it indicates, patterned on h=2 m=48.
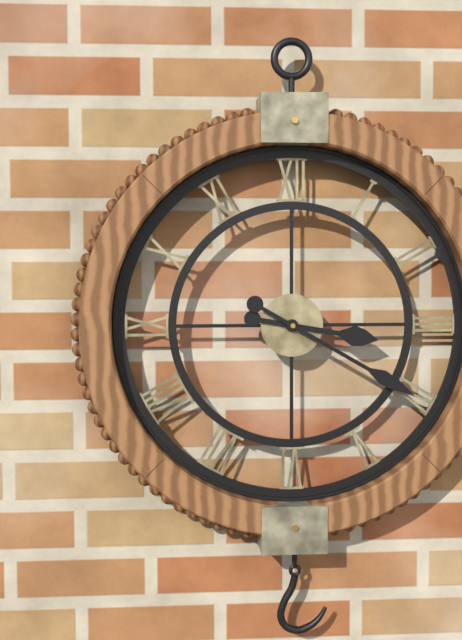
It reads h=3 m=20
